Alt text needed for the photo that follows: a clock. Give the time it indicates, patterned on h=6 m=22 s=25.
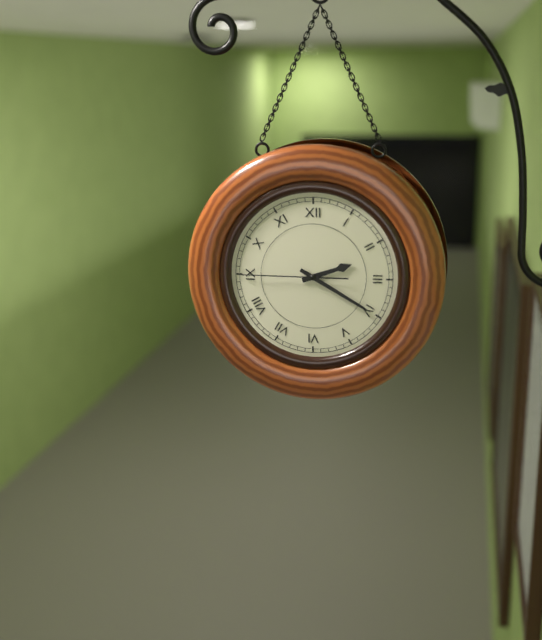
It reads h=2 m=20 s=45
